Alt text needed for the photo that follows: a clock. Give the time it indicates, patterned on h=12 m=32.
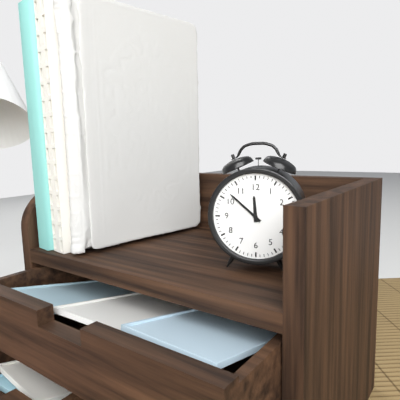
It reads h=11 m=52
